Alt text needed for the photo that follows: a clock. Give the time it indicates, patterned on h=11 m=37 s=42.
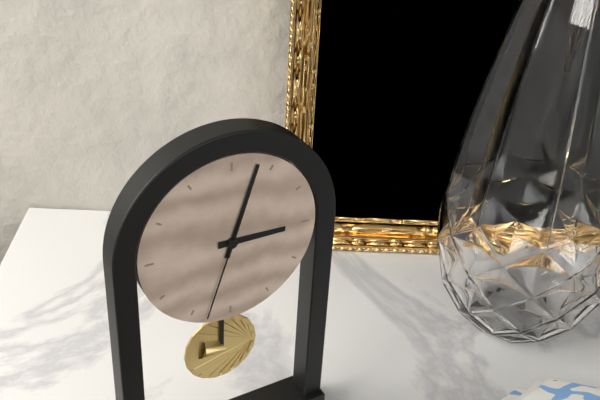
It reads h=3 m=3 s=33
